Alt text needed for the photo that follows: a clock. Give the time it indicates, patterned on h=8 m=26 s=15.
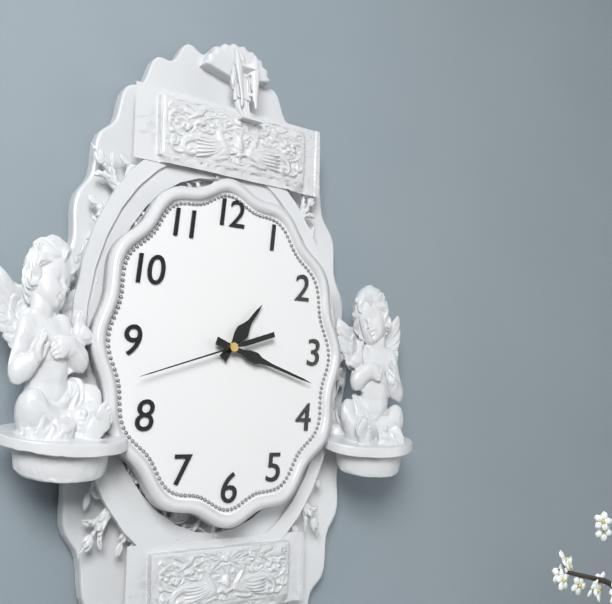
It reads h=1 m=18 s=42
